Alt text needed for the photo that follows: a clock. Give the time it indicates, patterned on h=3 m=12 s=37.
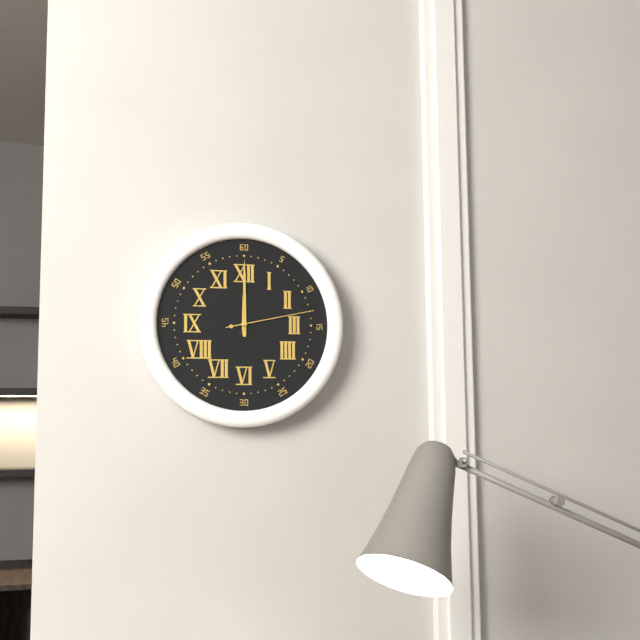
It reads h=12 m=0 s=13
